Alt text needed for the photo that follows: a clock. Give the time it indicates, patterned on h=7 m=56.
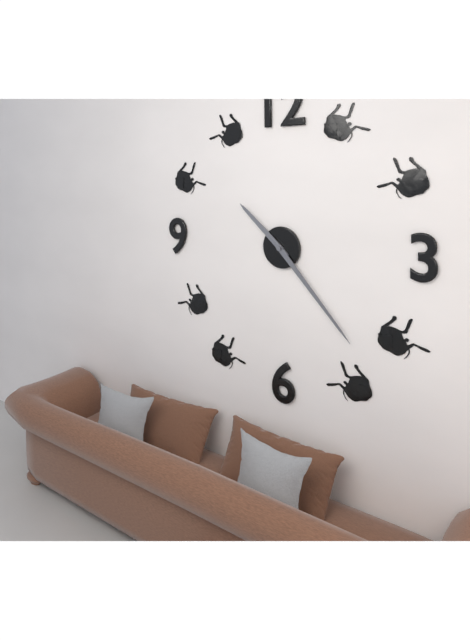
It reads h=10 m=23
